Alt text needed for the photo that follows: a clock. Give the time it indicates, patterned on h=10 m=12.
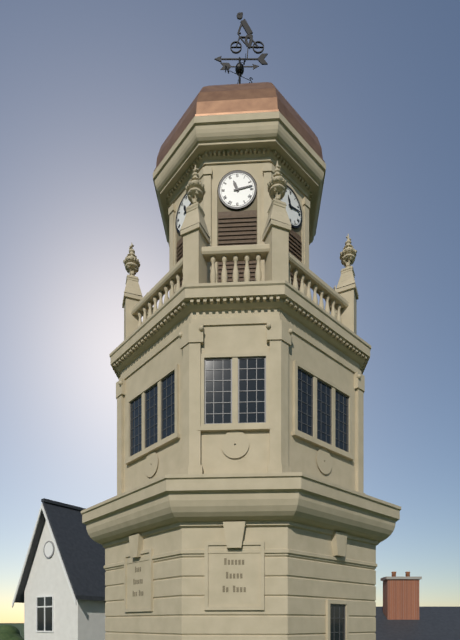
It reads h=11 m=13
